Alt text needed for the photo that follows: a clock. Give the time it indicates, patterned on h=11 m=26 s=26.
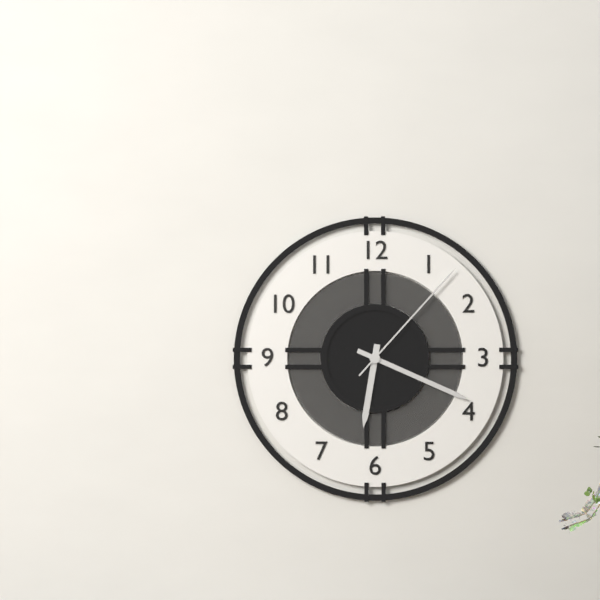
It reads h=6 m=19 s=7
